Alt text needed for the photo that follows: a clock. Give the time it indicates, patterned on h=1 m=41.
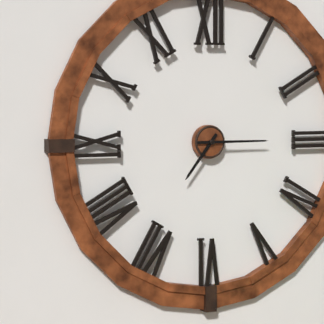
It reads h=7 m=15
